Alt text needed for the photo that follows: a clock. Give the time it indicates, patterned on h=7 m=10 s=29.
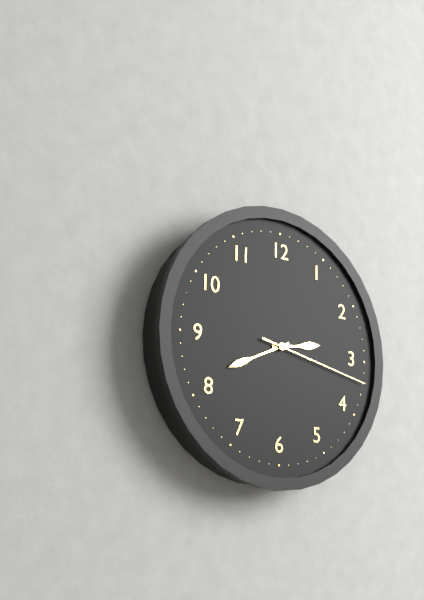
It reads h=2 m=41 s=17
